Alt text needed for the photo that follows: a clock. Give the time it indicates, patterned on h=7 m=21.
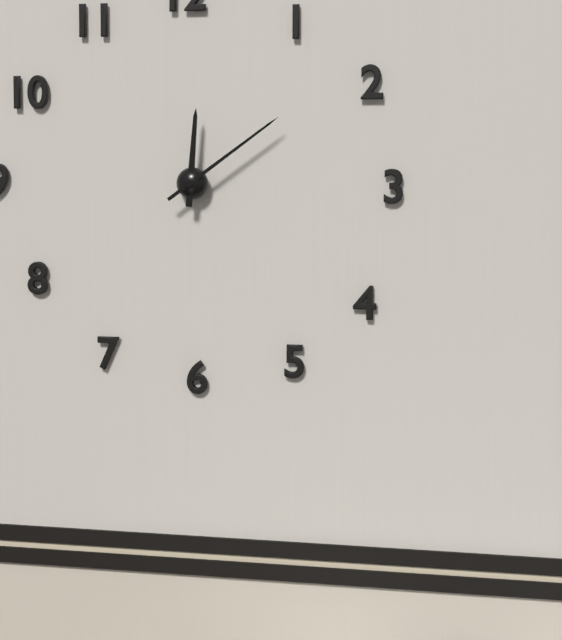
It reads h=12 m=9
